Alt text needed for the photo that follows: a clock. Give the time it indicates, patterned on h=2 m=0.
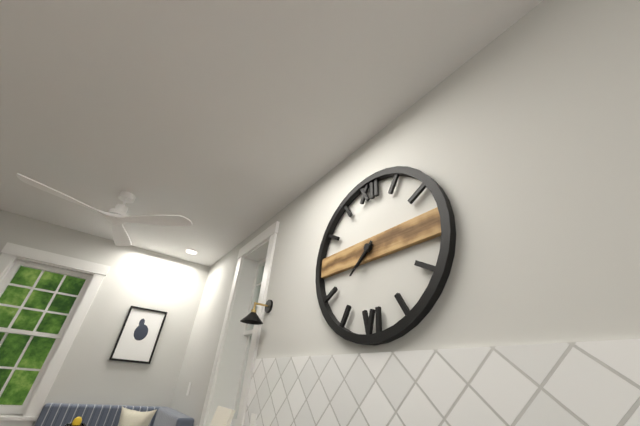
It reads h=7 m=38
